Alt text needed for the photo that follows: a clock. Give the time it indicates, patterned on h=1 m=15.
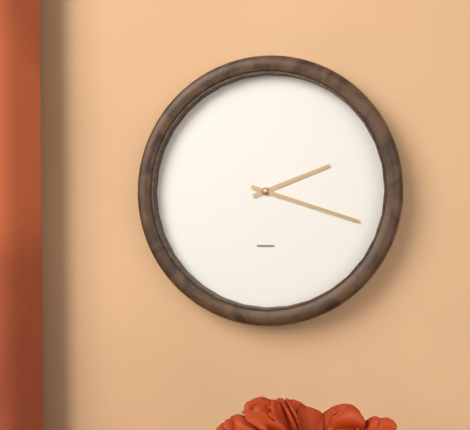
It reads h=2 m=18
